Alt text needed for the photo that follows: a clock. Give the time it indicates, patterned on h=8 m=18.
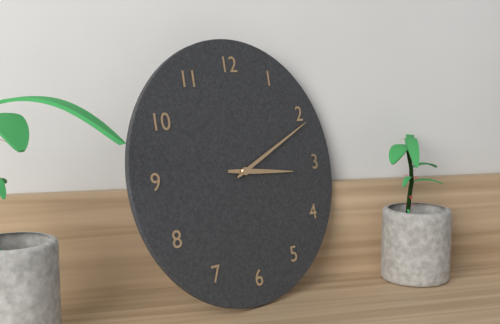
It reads h=3 m=11
